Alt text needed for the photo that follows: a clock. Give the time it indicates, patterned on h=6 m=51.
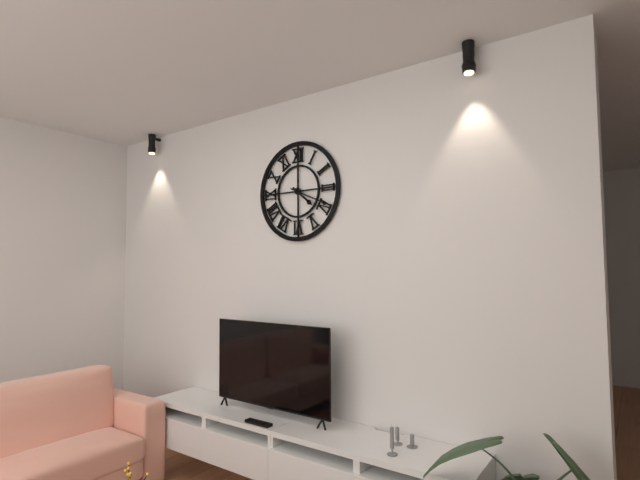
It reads h=4 m=19
